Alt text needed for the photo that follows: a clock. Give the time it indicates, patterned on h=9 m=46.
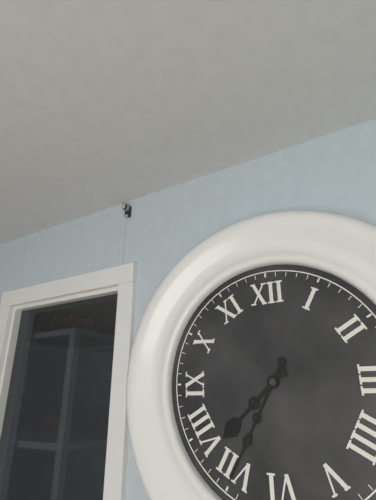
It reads h=7 m=35
